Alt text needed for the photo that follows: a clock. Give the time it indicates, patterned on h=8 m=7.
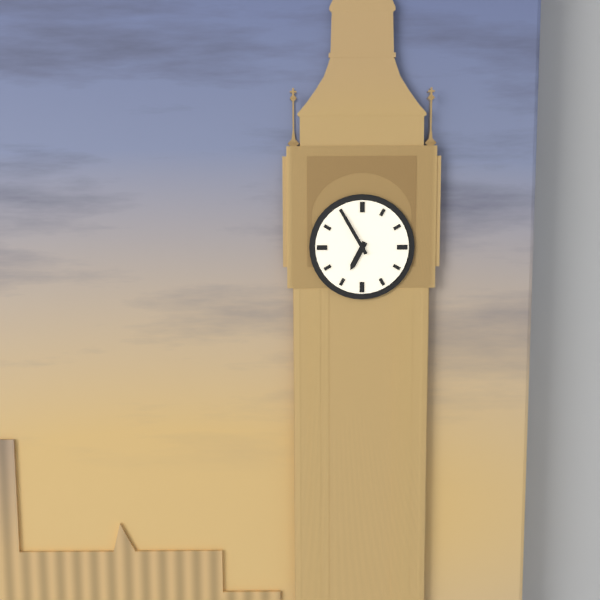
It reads h=6 m=55
